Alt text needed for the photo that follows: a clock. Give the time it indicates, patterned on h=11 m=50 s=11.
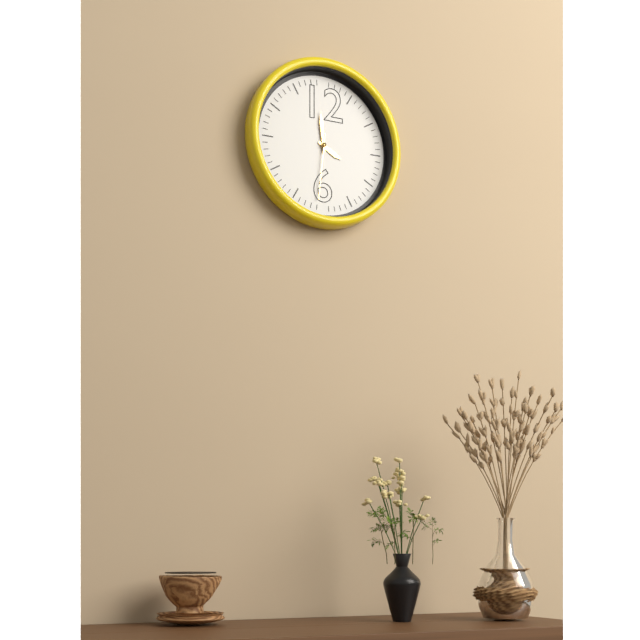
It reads h=3 m=59 s=31
